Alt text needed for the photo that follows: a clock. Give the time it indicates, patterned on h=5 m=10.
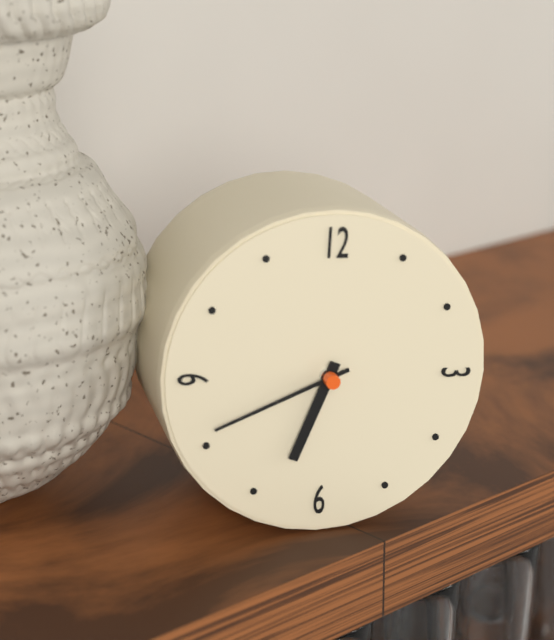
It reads h=6 m=41
